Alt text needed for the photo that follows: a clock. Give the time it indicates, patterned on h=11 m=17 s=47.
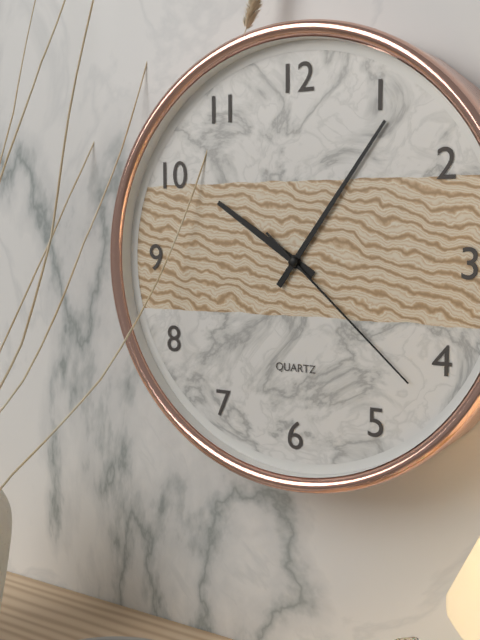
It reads h=10 m=6 s=22
